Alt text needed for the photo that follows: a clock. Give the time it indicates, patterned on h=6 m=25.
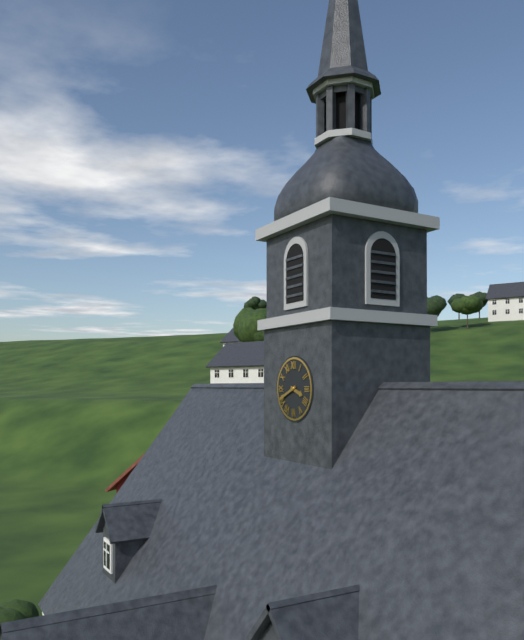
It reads h=3 m=41
